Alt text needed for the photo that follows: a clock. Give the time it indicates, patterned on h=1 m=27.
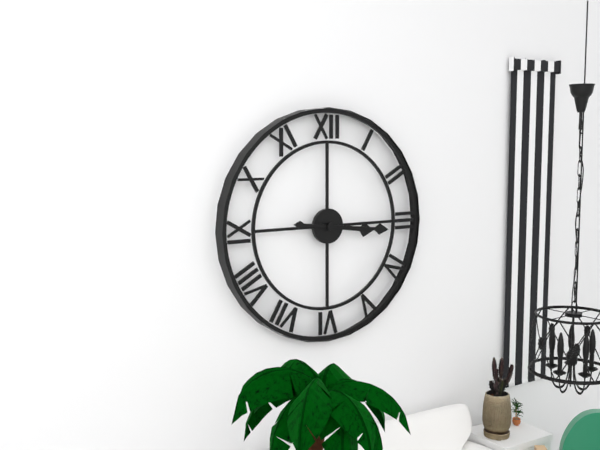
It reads h=3 m=16
